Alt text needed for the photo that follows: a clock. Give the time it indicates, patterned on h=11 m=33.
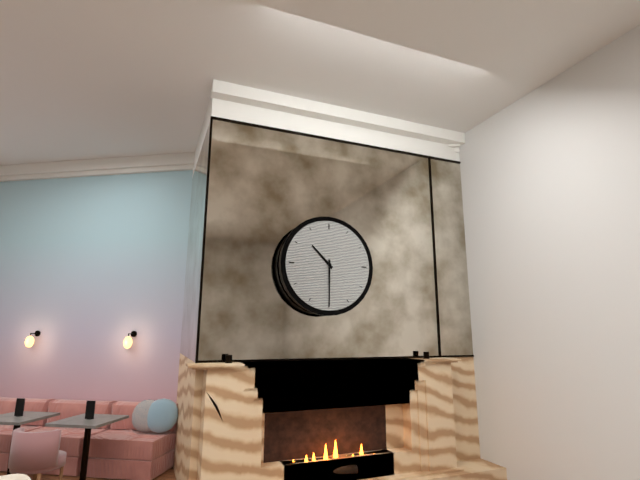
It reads h=10 m=30
